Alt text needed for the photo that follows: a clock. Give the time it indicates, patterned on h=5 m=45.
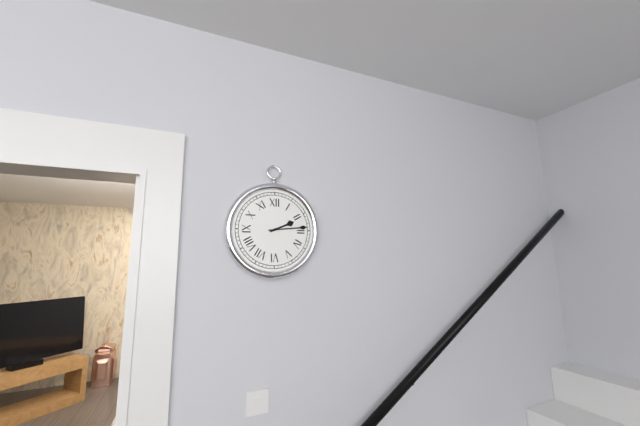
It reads h=2 m=14
